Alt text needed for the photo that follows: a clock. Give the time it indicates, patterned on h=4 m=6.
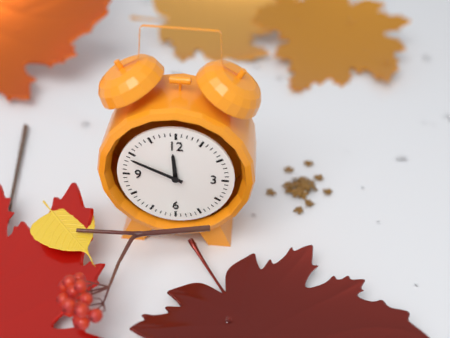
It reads h=11 m=49
